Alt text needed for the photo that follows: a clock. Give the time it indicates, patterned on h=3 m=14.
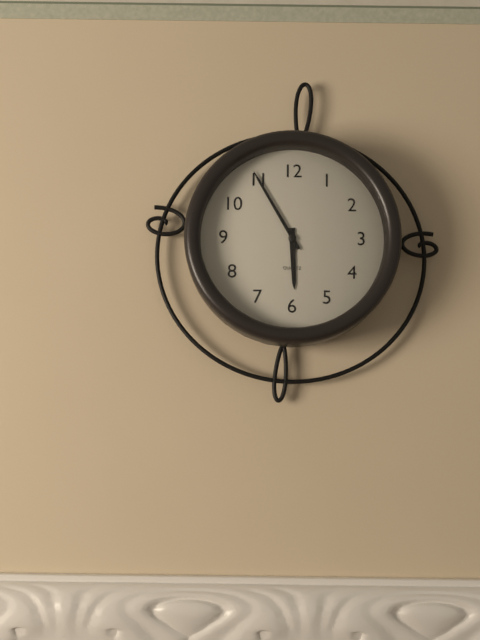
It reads h=5 m=55
